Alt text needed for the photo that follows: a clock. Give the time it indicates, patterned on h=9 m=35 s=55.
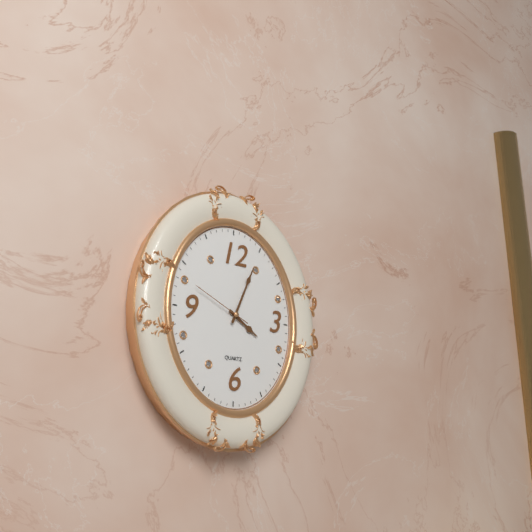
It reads h=4 m=4 s=49
